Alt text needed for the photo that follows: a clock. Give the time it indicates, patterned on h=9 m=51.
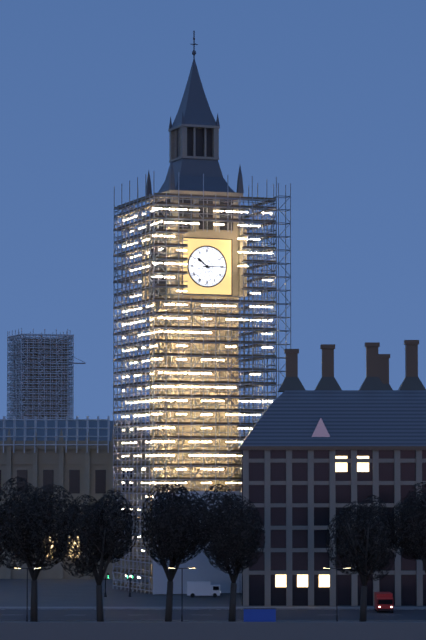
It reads h=10 m=15
